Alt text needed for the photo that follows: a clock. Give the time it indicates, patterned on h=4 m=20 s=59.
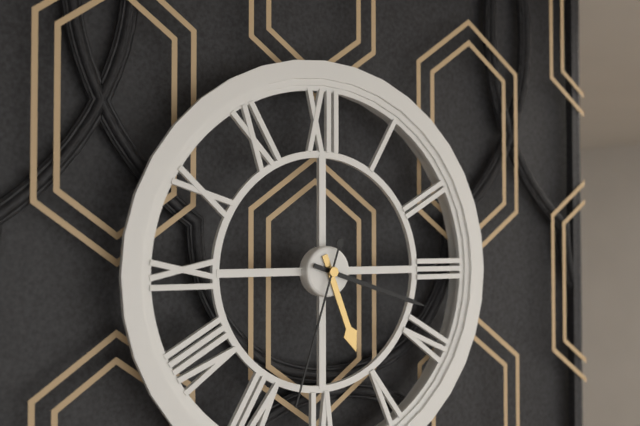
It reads h=5 m=18 s=33
